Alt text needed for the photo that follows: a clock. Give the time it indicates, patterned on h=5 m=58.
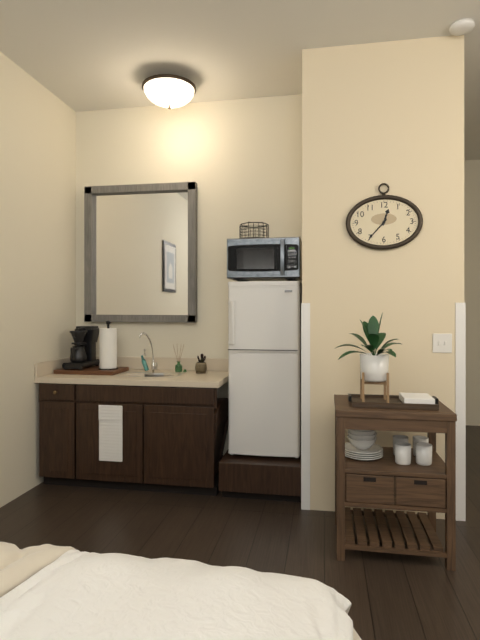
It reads h=12 m=37
